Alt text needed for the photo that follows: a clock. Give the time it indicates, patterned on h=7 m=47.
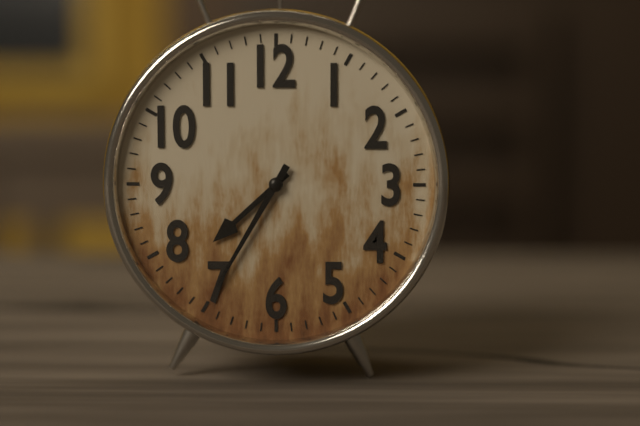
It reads h=7 m=35
